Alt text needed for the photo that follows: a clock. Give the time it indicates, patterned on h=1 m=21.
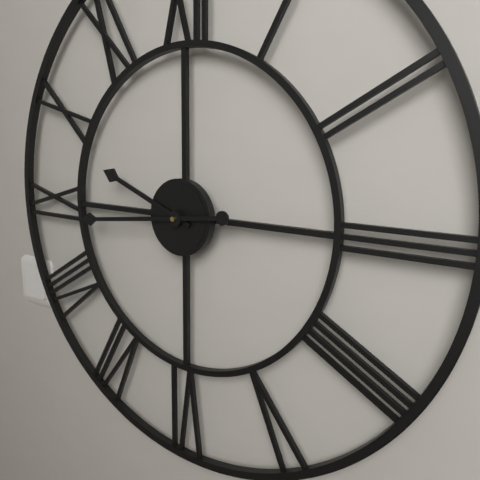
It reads h=9 m=44
